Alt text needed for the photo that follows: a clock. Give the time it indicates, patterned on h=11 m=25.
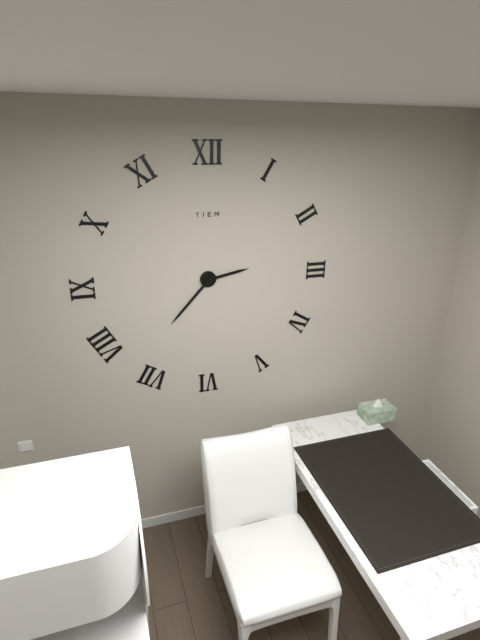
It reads h=2 m=37
